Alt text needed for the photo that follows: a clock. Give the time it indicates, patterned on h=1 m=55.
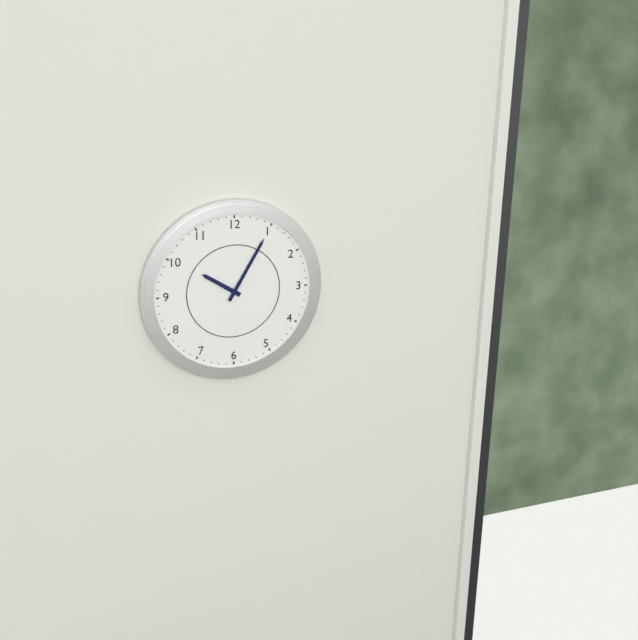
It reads h=10 m=5
